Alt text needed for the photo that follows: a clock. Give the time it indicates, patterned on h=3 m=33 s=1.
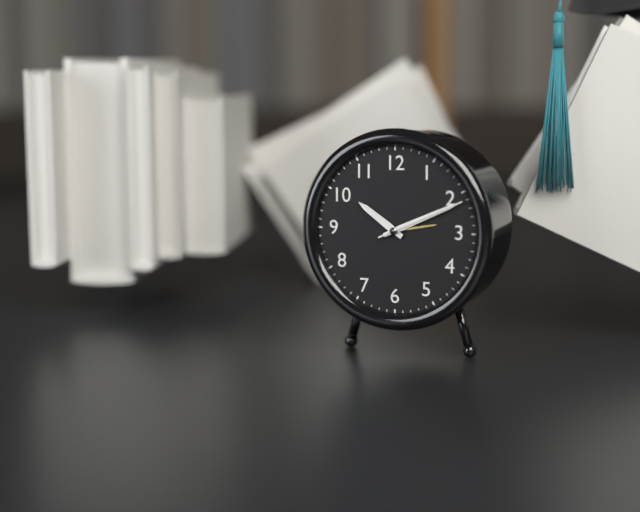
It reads h=10 m=11 s=11
